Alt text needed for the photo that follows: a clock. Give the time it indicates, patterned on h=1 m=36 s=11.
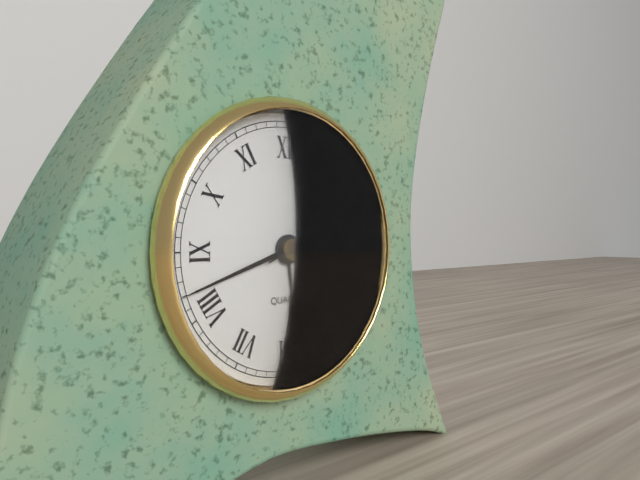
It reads h=5 m=42 s=11
